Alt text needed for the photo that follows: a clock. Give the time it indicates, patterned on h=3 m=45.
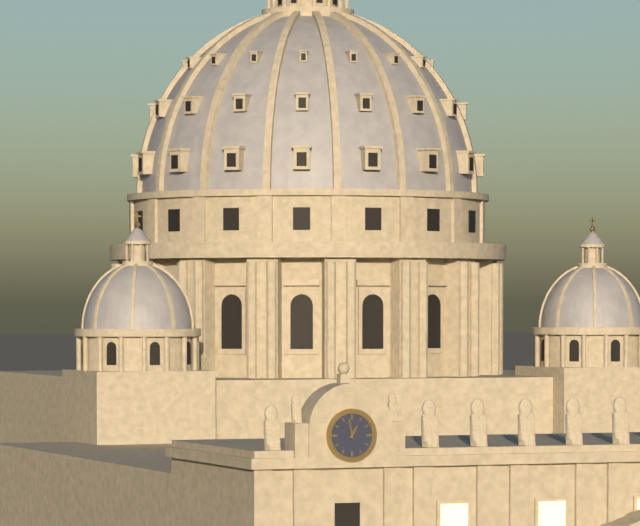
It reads h=12 m=58
